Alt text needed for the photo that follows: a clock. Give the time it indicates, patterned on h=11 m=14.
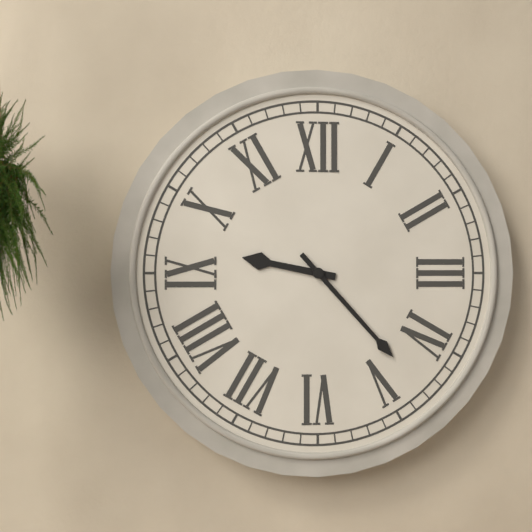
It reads h=9 m=23
